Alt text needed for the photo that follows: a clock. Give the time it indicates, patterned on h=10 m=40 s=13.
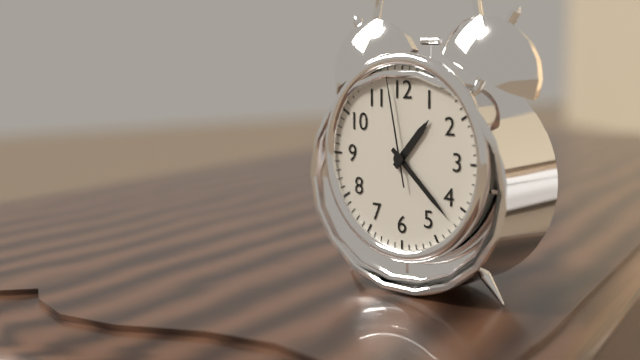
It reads h=1 m=22 s=58
